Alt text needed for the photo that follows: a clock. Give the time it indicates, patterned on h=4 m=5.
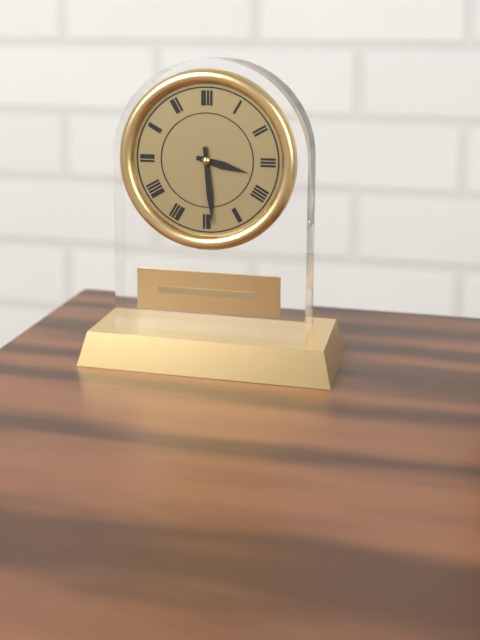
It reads h=3 m=29
